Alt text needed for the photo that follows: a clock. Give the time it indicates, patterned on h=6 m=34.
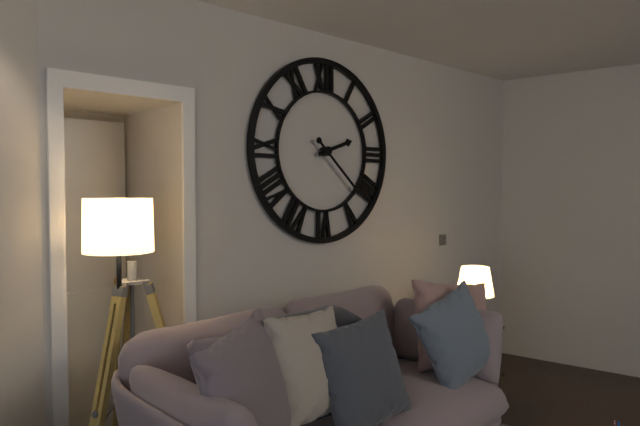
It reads h=2 m=22
